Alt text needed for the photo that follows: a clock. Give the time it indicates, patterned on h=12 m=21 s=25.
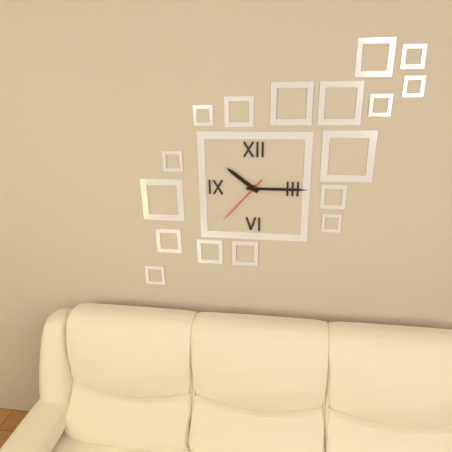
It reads h=10 m=15 s=37
